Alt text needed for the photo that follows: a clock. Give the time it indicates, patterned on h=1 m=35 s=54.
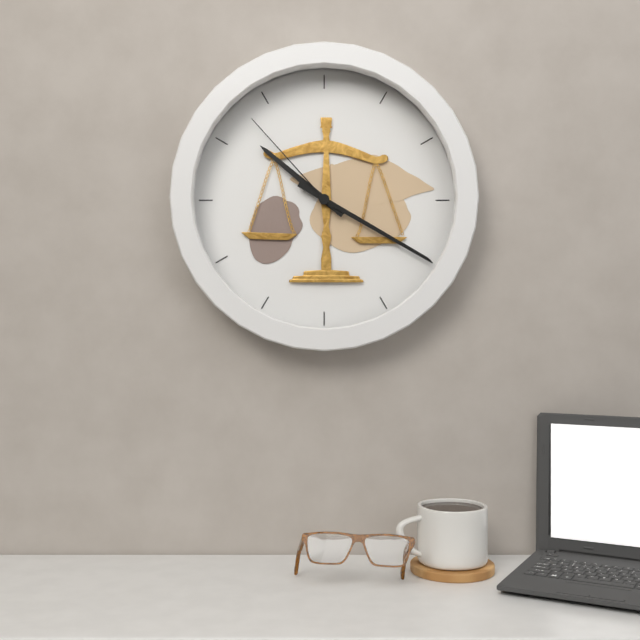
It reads h=10 m=20 s=53
